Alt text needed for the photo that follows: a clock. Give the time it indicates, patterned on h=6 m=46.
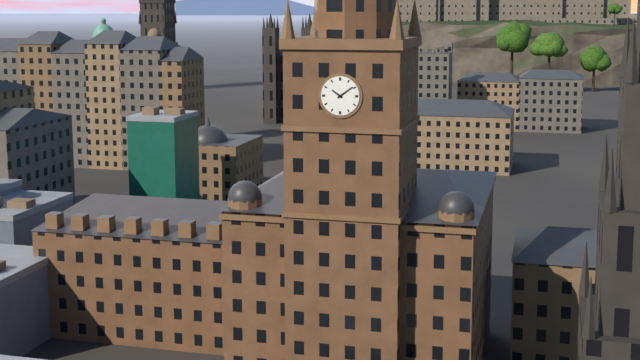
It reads h=10 m=9
